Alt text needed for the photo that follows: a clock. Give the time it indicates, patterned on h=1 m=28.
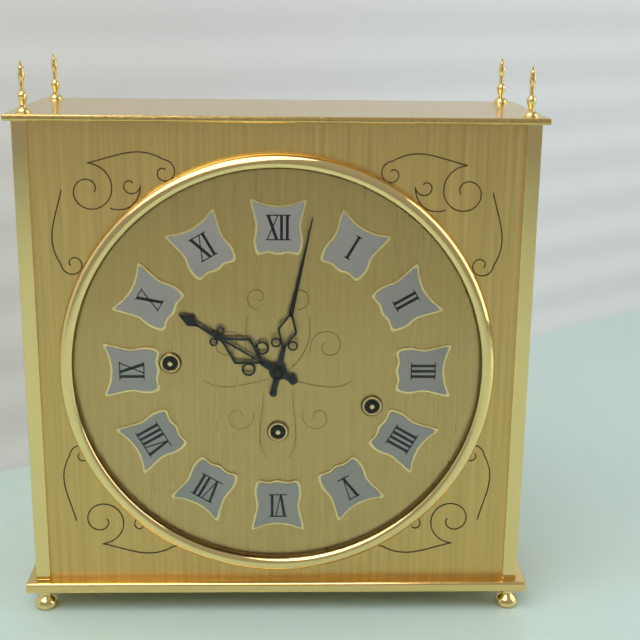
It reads h=10 m=2
